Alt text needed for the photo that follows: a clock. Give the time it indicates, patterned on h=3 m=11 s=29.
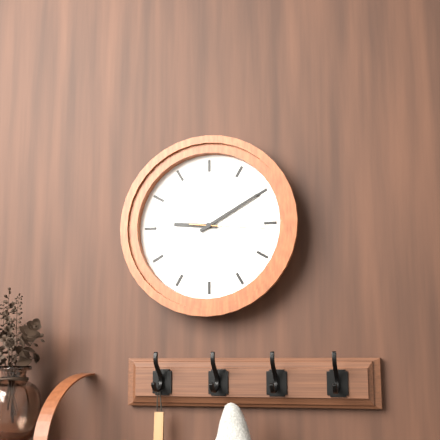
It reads h=9 m=10 s=16
